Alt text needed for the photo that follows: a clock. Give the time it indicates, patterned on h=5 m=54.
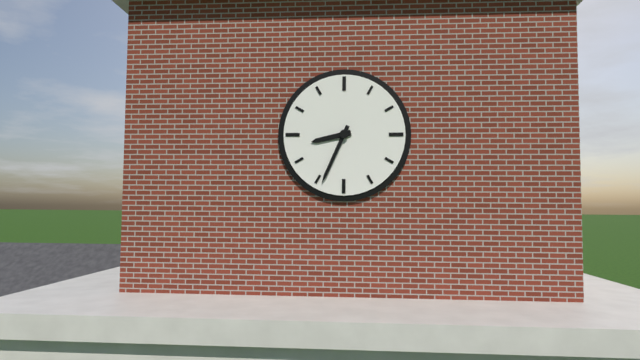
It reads h=8 m=34
